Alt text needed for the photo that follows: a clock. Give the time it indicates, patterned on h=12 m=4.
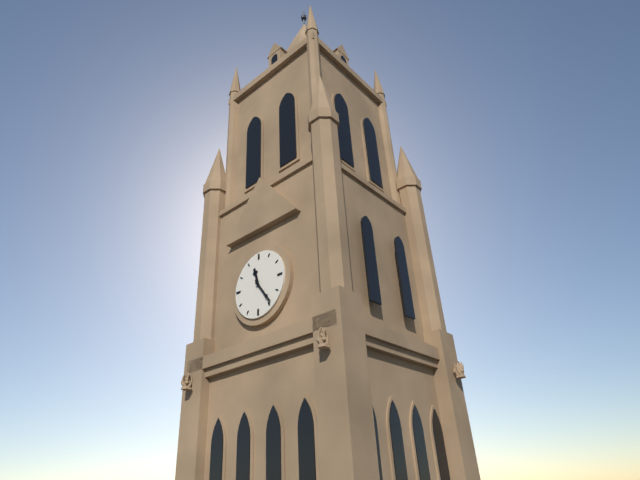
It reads h=11 m=24
